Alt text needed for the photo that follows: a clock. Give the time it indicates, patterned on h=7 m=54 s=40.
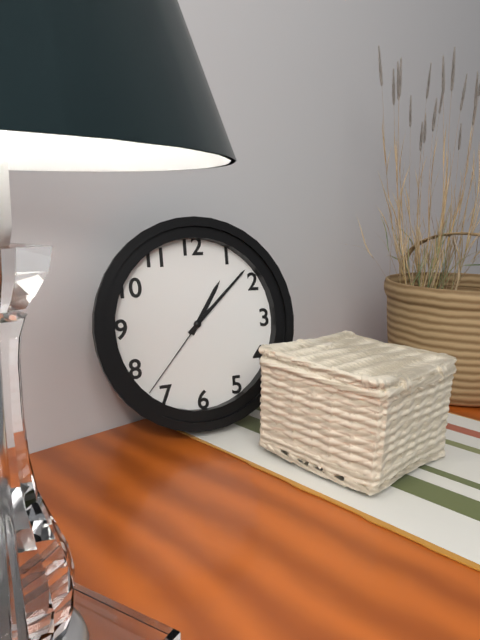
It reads h=1 m=8 s=37
